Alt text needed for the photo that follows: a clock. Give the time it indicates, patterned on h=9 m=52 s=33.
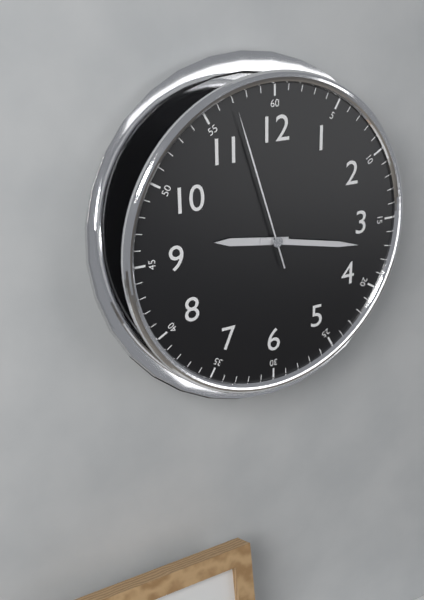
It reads h=9 m=17 s=57
